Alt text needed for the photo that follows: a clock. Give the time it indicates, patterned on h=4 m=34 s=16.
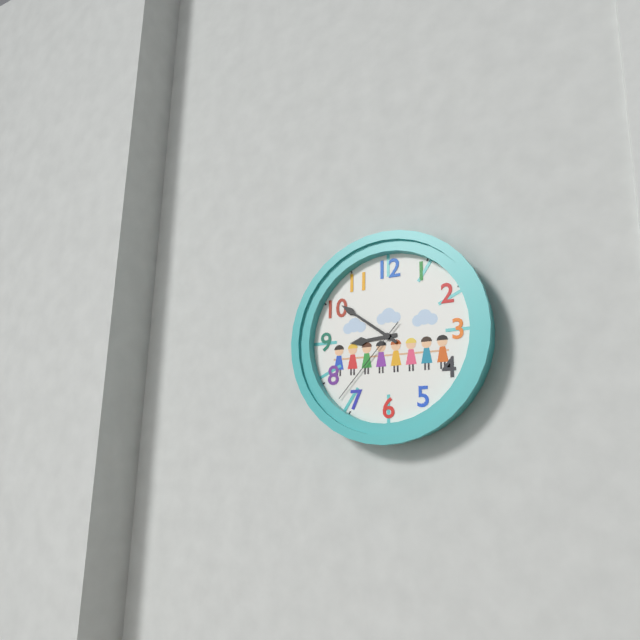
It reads h=8 m=51 s=37
